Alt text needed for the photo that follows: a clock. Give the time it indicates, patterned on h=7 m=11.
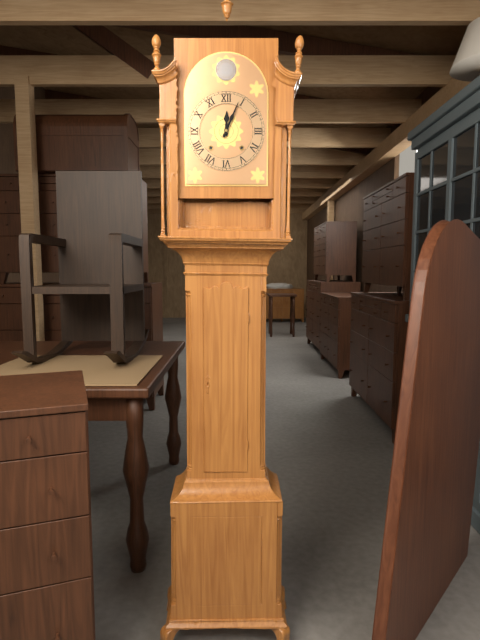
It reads h=12 m=4
